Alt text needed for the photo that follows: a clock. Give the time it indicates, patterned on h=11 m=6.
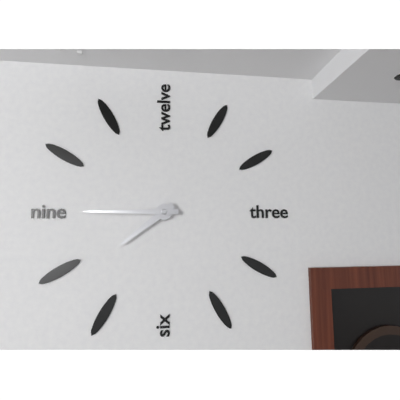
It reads h=7 m=45
